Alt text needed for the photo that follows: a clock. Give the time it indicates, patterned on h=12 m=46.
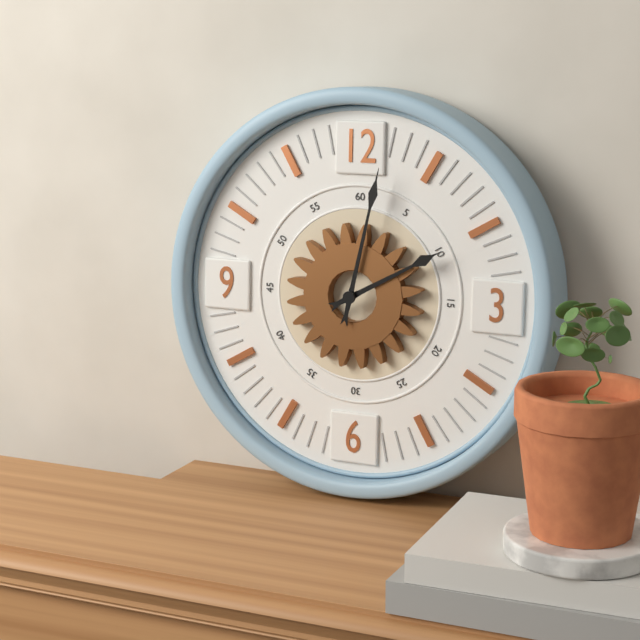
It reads h=2 m=2
